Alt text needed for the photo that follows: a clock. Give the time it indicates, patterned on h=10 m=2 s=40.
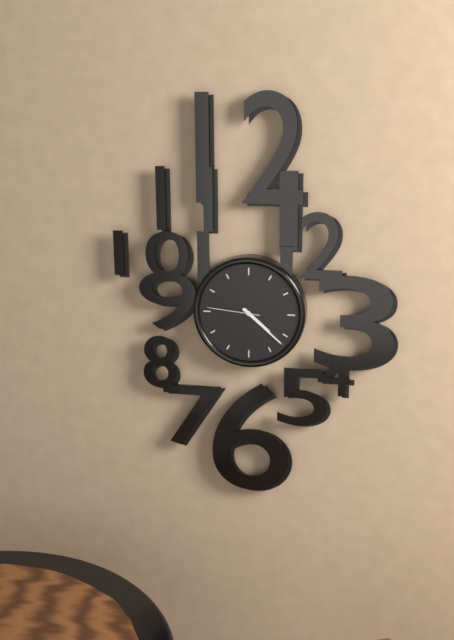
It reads h=4 m=22 s=46
